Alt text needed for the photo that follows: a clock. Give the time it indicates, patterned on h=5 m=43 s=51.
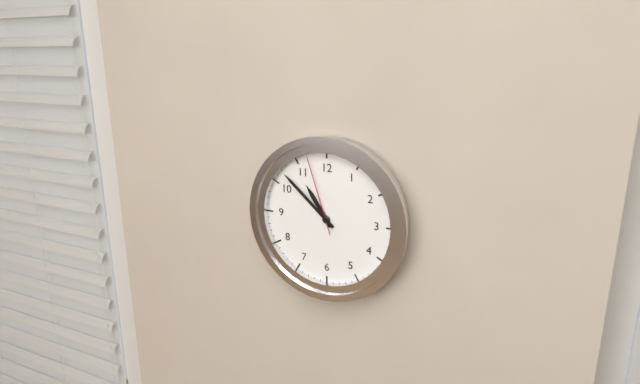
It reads h=10 m=52 s=57
